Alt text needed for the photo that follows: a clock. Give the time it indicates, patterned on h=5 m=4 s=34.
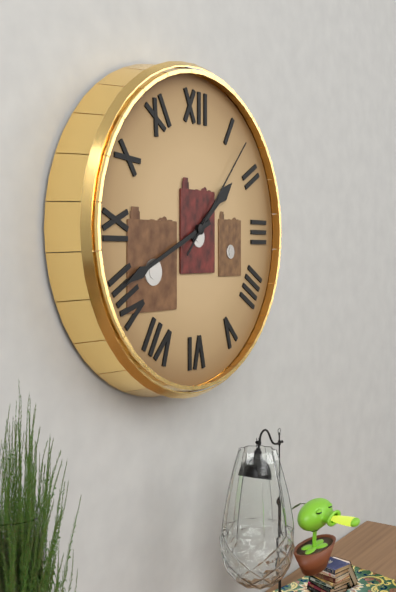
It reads h=1 m=41 s=7
